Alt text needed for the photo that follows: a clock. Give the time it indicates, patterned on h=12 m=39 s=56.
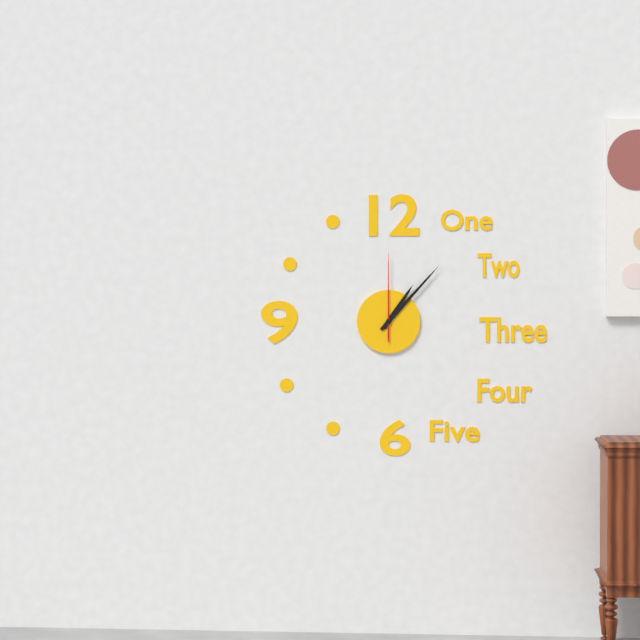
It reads h=1 m=7 s=0
